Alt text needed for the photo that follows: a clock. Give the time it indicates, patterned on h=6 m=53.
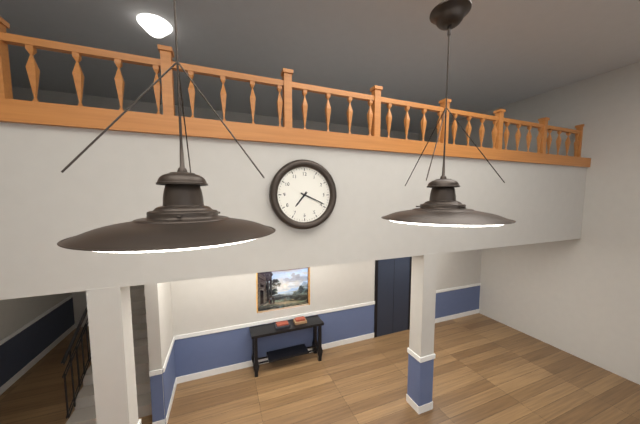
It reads h=7 m=19
